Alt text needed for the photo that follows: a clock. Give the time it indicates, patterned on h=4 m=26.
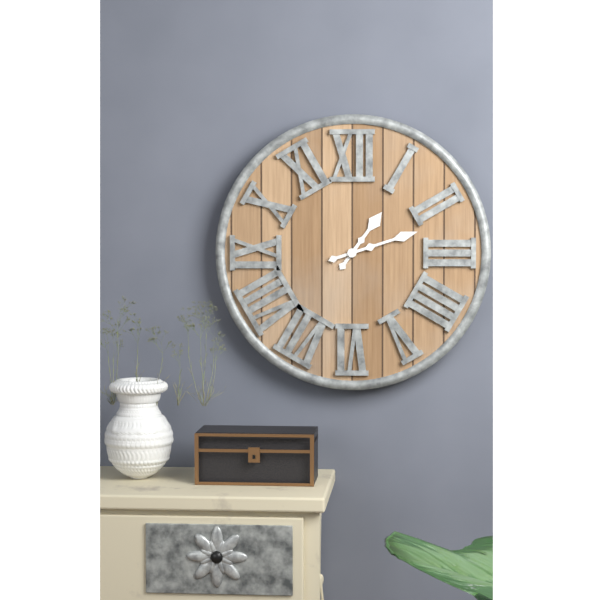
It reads h=1 m=12
